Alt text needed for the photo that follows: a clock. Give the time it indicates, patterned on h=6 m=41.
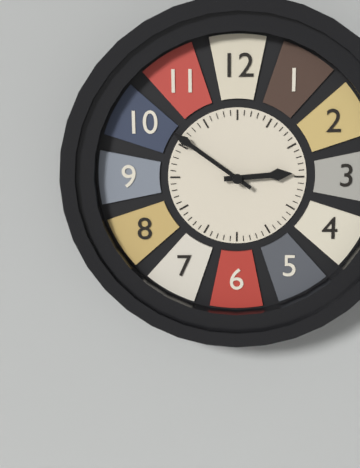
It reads h=2 m=51
